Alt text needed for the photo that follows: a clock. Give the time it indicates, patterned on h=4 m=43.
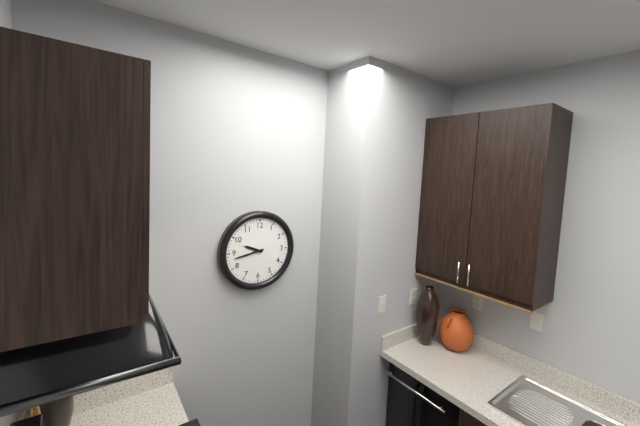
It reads h=9 m=43
